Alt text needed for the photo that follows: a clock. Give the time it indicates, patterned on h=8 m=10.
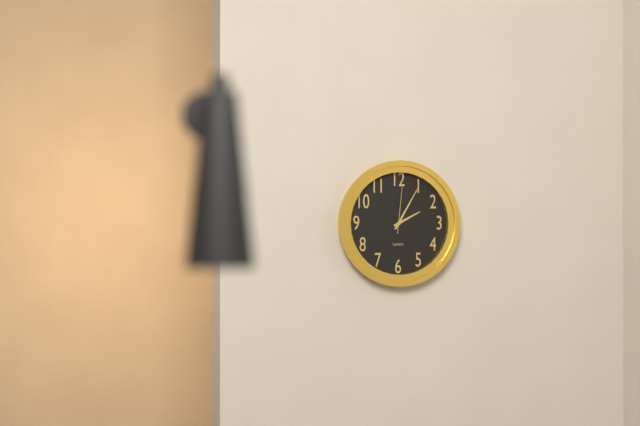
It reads h=2 m=5
